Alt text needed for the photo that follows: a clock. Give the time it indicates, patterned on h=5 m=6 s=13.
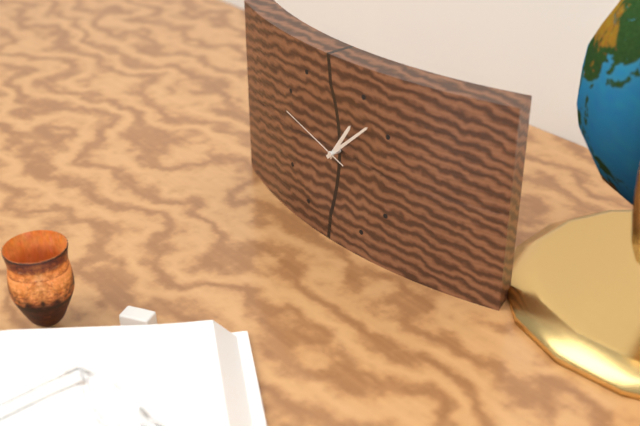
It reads h=1 m=8 s=48
